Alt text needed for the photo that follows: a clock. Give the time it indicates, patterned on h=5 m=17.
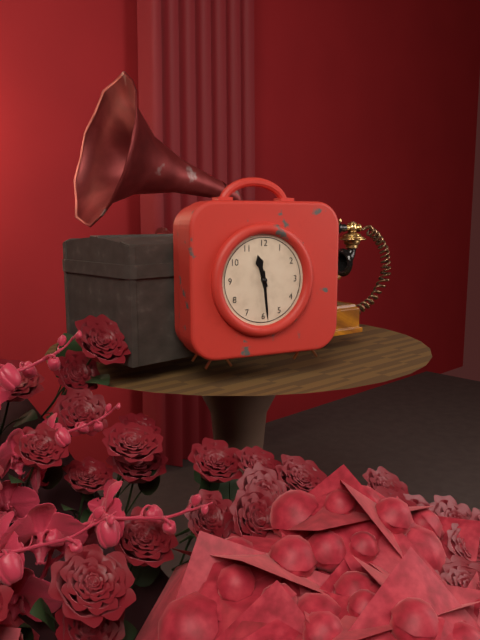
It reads h=11 m=29
